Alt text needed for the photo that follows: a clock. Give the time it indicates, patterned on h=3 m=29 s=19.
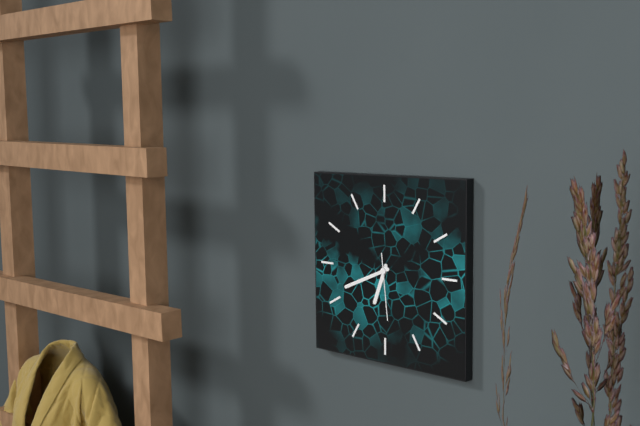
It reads h=6 m=41 s=29
